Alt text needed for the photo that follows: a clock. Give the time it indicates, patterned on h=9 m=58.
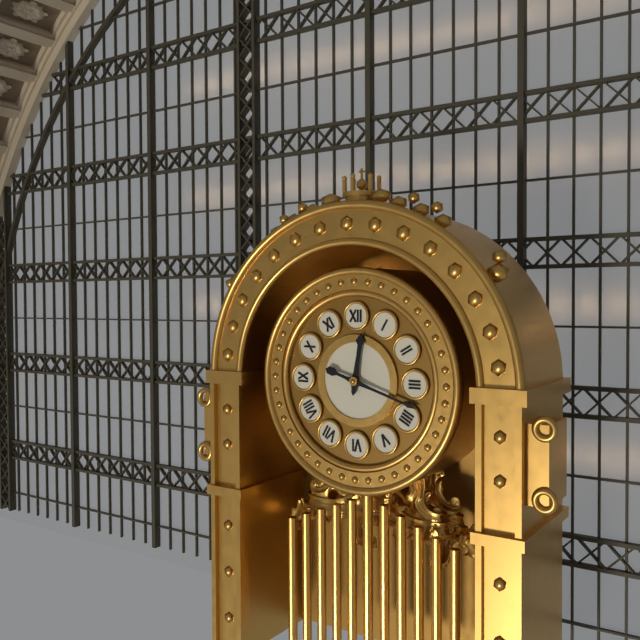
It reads h=12 m=18
